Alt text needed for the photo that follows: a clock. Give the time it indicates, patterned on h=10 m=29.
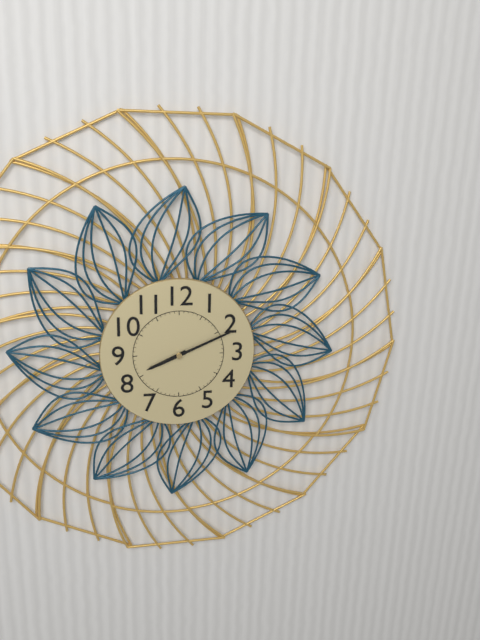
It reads h=8 m=11
